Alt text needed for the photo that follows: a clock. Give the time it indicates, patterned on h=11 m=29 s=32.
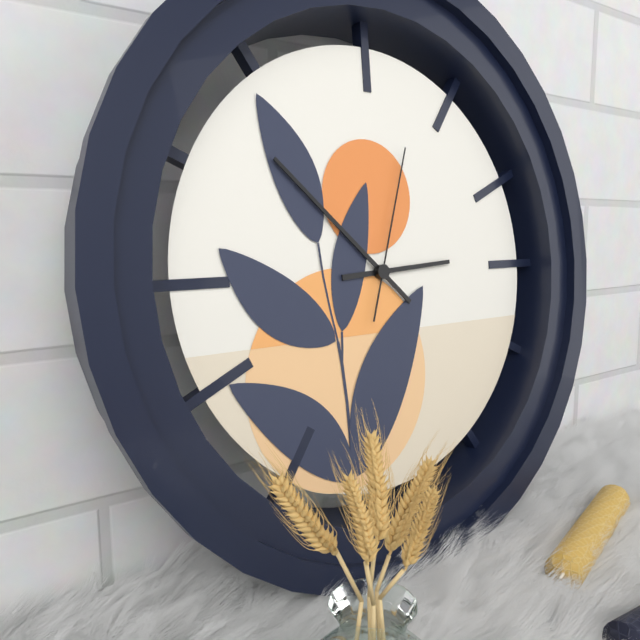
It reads h=2 m=52 s=3
